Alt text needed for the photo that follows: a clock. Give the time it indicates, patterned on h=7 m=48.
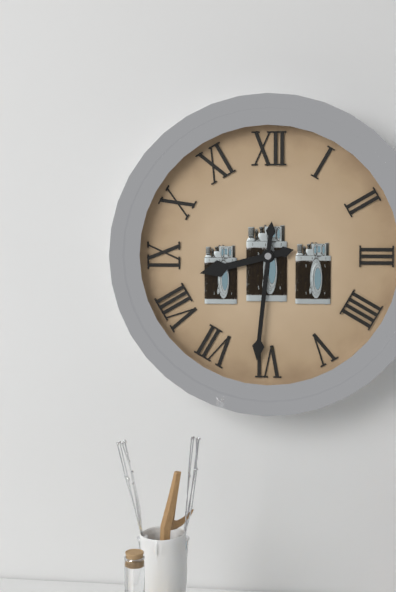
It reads h=8 m=31
